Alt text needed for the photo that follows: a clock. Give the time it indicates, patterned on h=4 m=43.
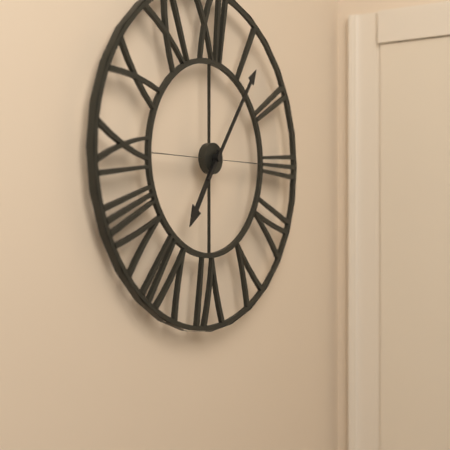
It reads h=7 m=6
